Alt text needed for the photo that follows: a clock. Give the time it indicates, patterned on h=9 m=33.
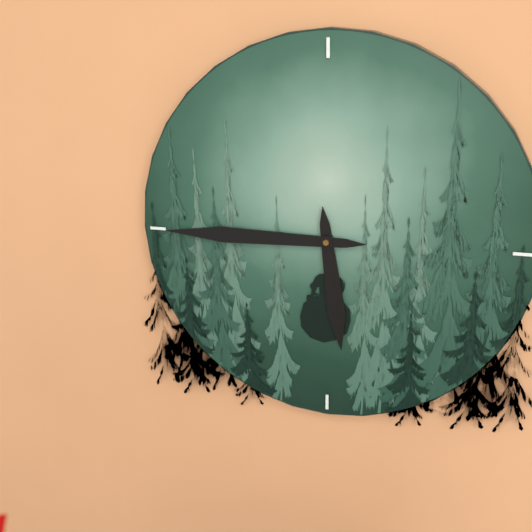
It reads h=5 m=45
